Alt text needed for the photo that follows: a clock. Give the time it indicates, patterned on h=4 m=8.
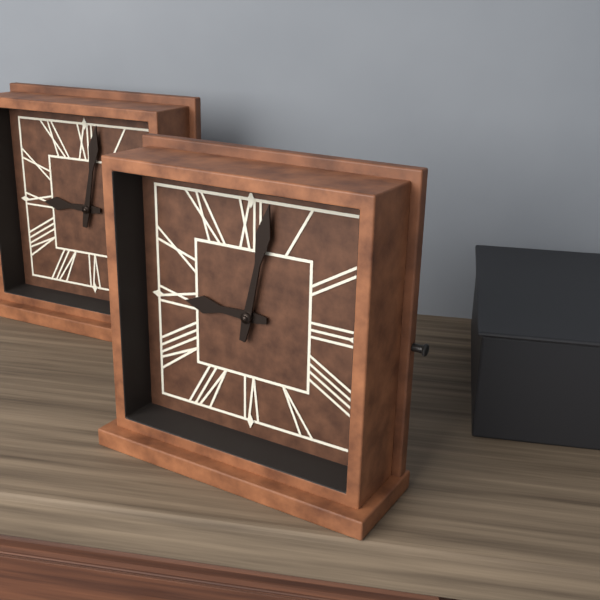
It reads h=9 m=2
